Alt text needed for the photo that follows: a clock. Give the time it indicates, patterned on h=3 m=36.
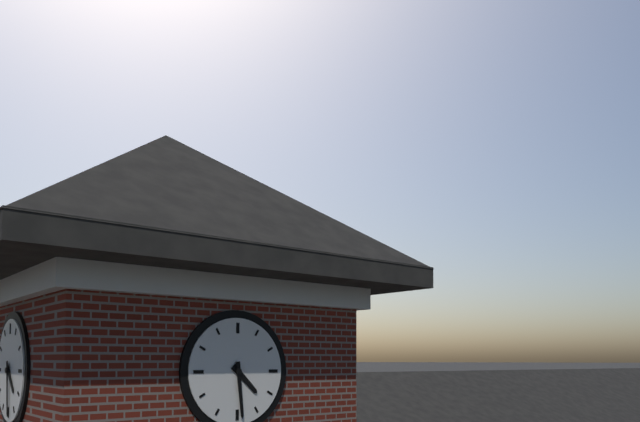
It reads h=4 m=29
